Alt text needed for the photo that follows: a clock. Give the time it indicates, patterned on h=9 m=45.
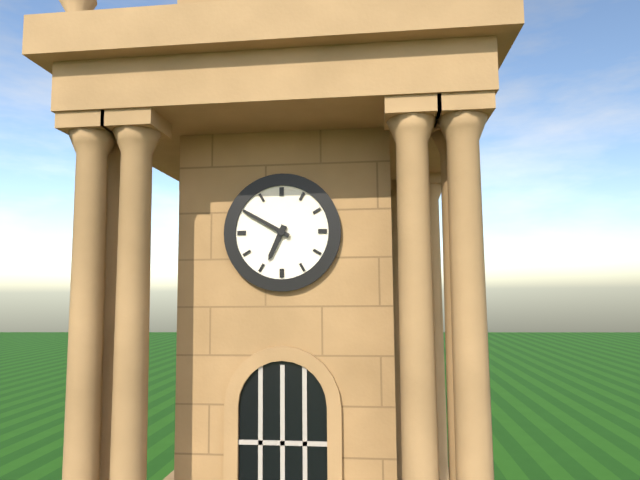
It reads h=6 m=50
